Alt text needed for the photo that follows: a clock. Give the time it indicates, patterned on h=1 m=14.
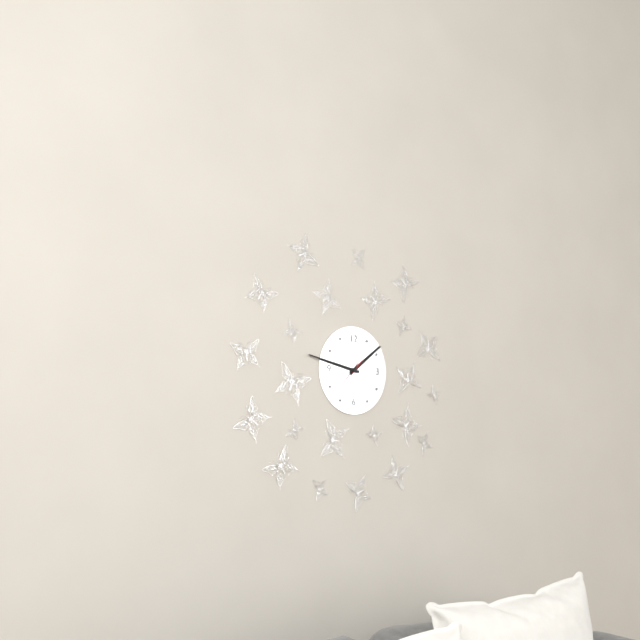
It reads h=1 m=47
